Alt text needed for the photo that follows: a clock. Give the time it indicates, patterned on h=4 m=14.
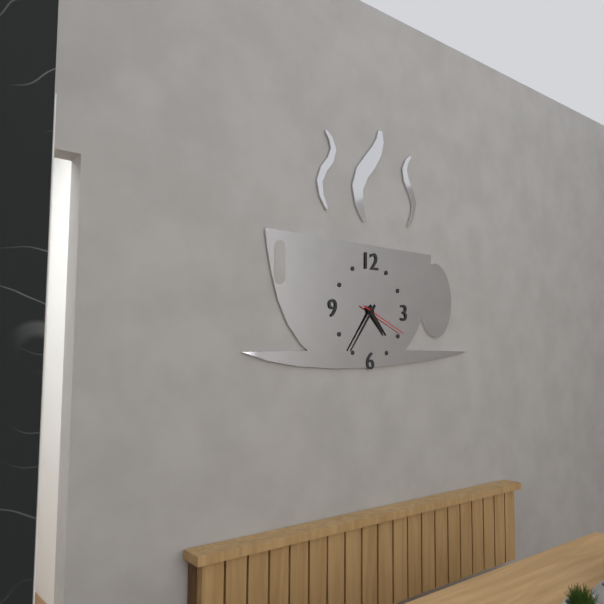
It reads h=4 m=36
